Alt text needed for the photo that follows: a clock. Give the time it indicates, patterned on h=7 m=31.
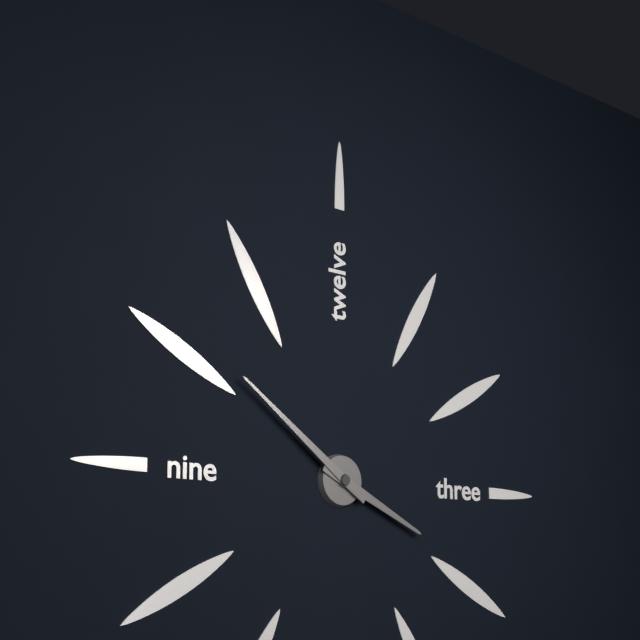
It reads h=3 m=51
